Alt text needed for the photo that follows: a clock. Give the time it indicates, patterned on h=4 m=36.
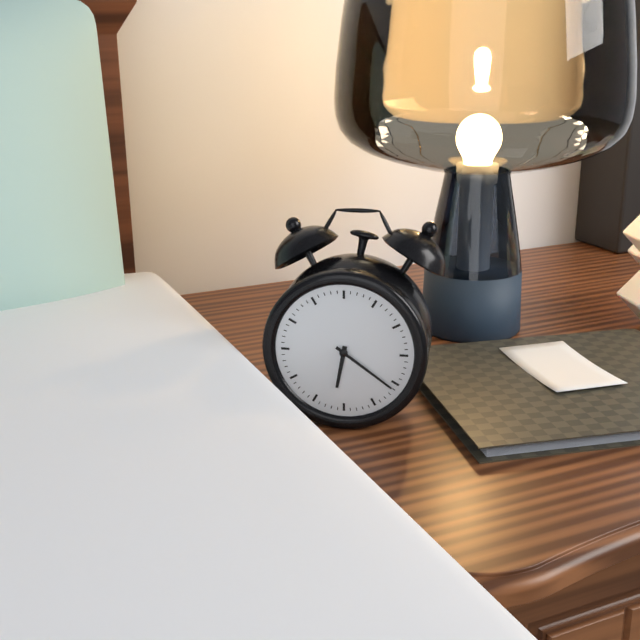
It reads h=6 m=21
